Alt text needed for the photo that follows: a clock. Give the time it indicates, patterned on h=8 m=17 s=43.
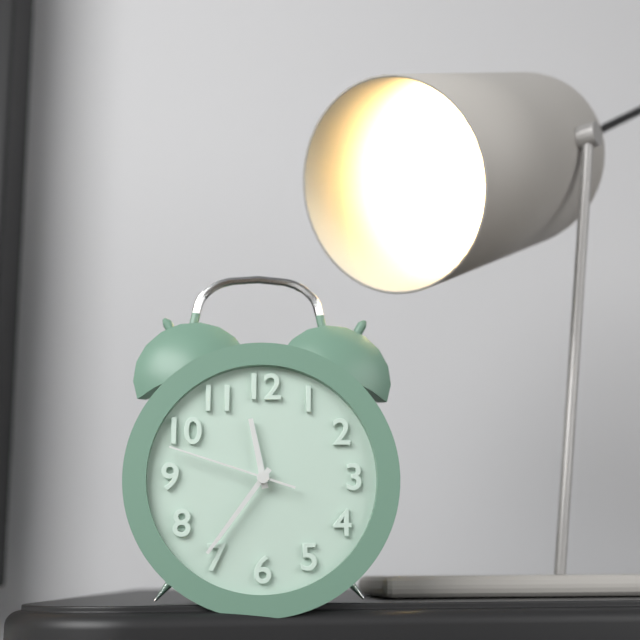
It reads h=11 m=36 s=48
